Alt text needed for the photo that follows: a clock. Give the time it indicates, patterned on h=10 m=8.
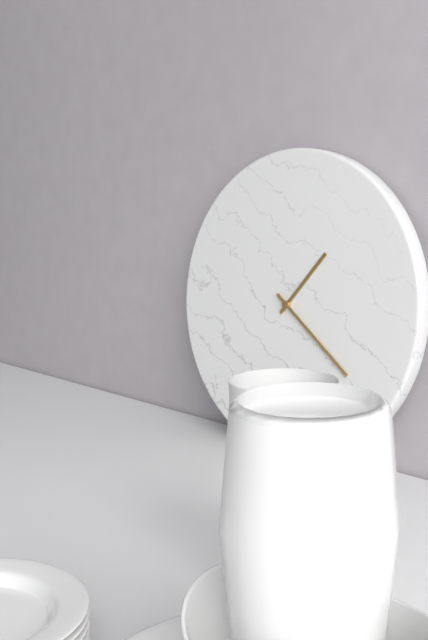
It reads h=1 m=21
